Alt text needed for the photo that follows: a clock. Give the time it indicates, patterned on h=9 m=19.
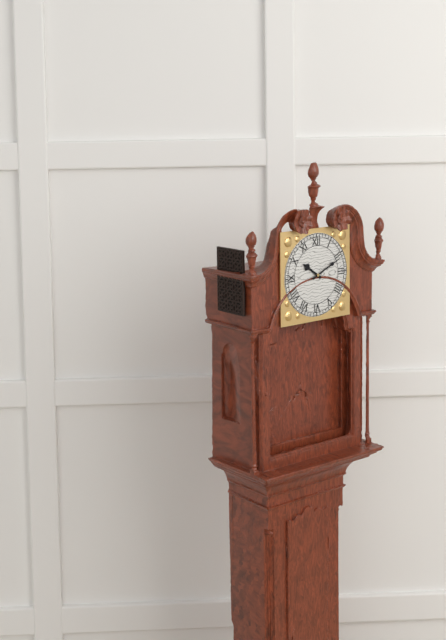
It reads h=10 m=11
